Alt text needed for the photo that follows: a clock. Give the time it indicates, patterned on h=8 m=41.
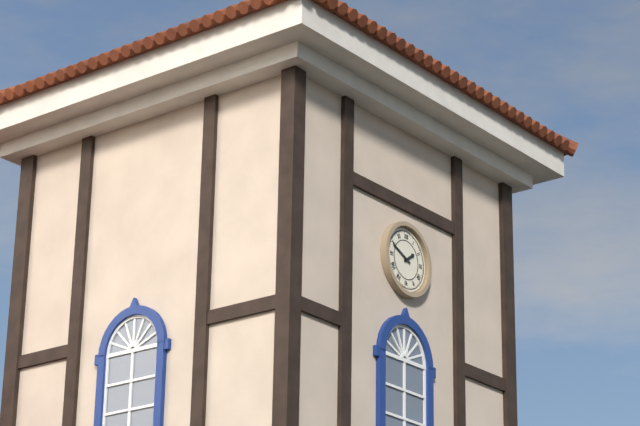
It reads h=1 m=49
